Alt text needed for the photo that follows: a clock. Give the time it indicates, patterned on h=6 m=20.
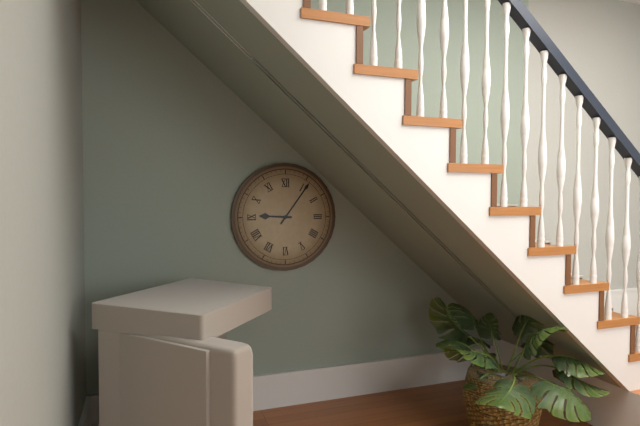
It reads h=9 m=6
